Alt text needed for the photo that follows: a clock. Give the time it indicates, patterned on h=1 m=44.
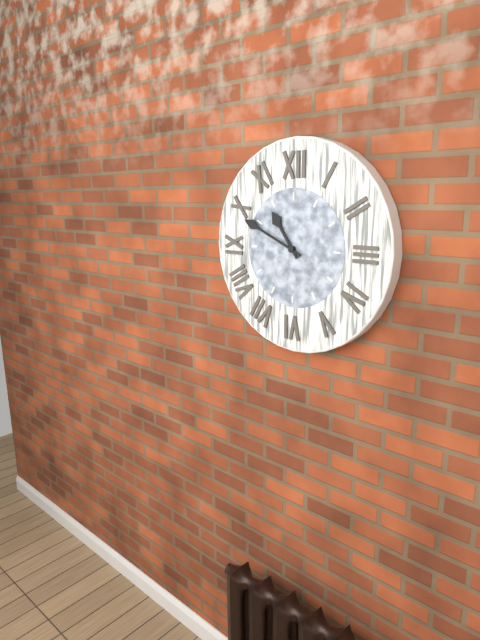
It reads h=10 m=49
